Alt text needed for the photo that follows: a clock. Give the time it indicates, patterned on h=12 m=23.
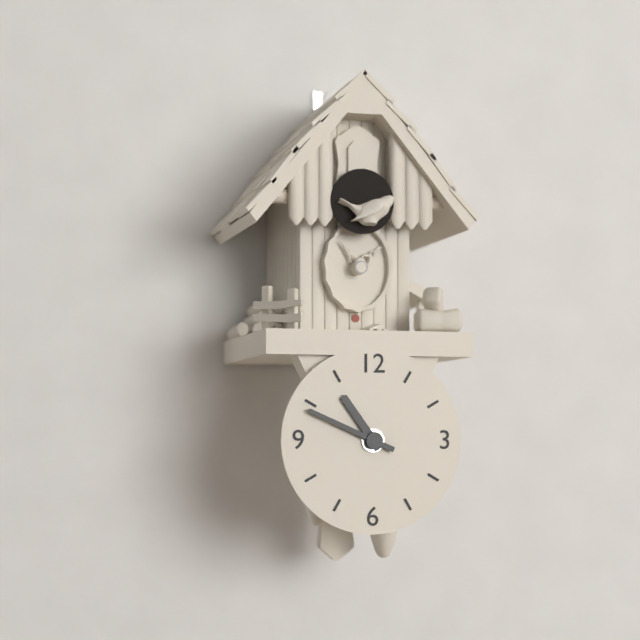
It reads h=10 m=49
